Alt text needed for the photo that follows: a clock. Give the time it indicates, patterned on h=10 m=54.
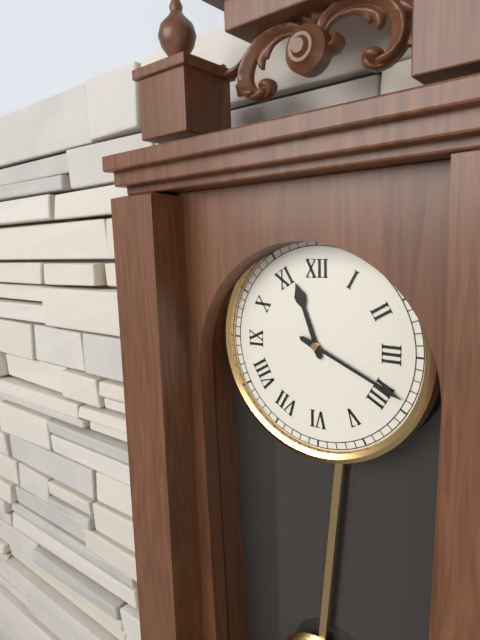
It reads h=11 m=19
